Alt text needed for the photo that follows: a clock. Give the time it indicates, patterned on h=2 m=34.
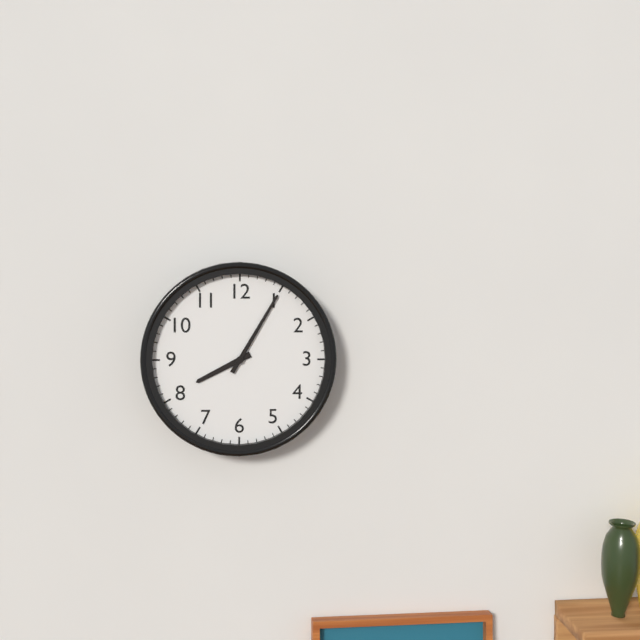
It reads h=8 m=5
